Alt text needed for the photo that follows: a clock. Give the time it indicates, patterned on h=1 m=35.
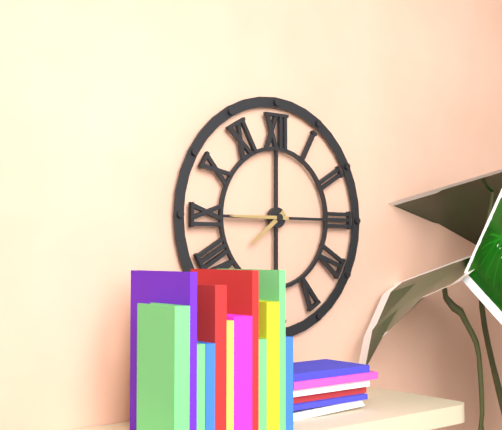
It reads h=7 m=45
